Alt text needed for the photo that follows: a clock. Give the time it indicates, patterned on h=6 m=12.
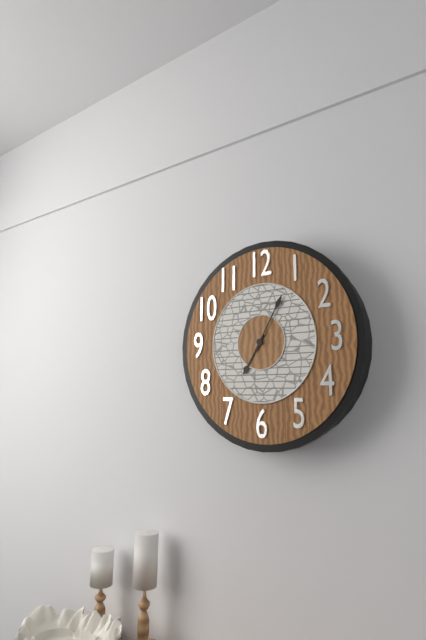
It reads h=7 m=5
